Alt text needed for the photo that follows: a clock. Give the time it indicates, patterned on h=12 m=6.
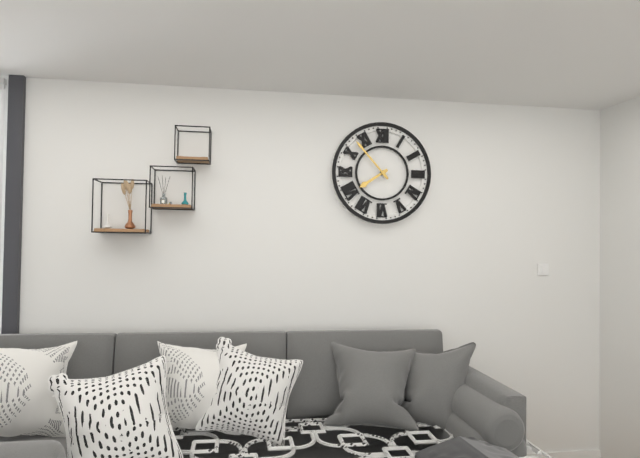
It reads h=7 m=53
